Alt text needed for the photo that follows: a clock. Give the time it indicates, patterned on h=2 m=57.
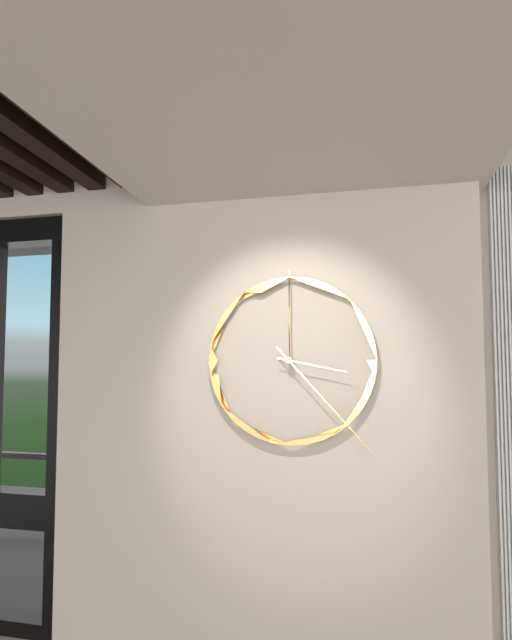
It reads h=3 m=23
